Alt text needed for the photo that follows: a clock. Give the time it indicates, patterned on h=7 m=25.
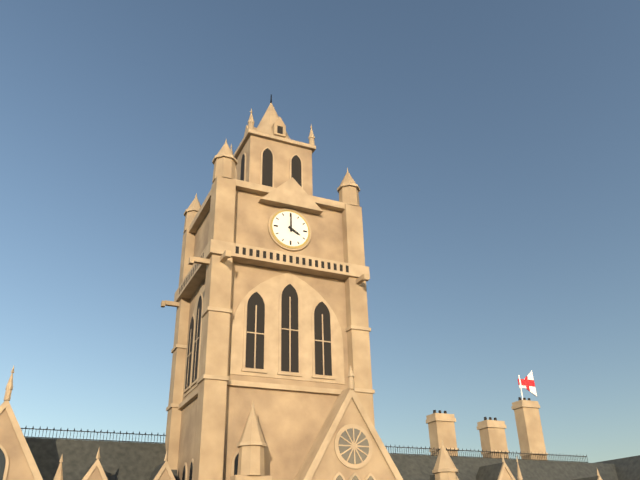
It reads h=4 m=0
